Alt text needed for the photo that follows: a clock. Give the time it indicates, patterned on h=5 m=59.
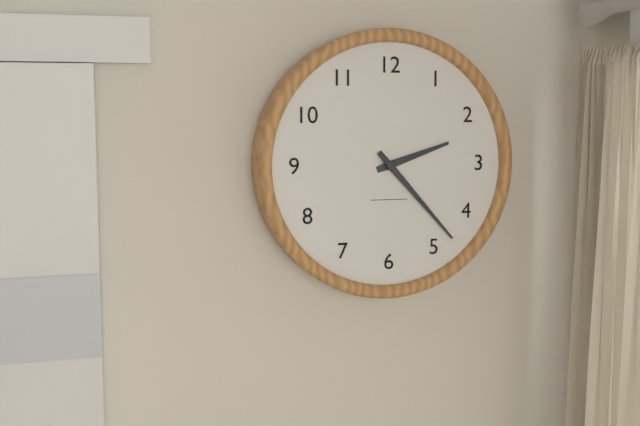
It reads h=2 m=23
